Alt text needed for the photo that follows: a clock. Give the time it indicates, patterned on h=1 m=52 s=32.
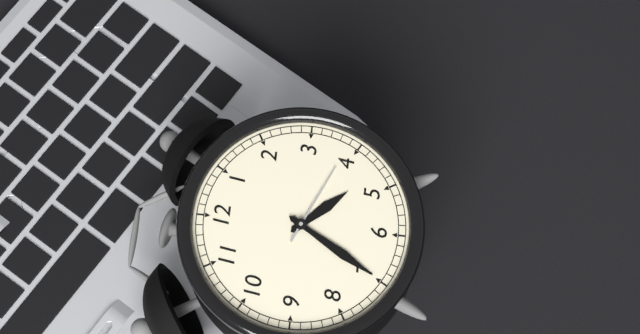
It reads h=4 m=35 s=19
